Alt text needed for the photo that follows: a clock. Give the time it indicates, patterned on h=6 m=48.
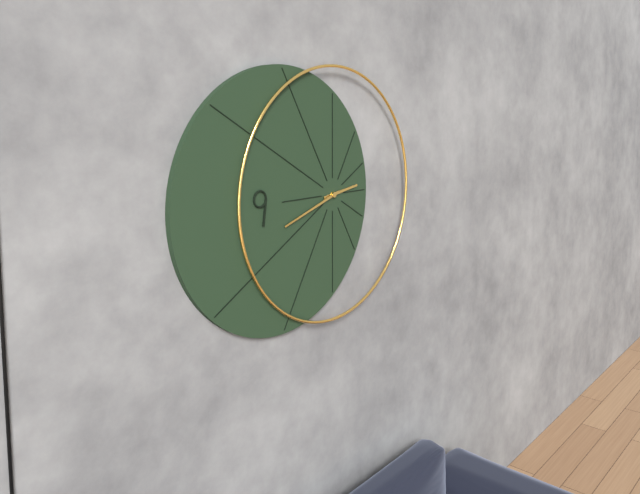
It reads h=2 m=42
